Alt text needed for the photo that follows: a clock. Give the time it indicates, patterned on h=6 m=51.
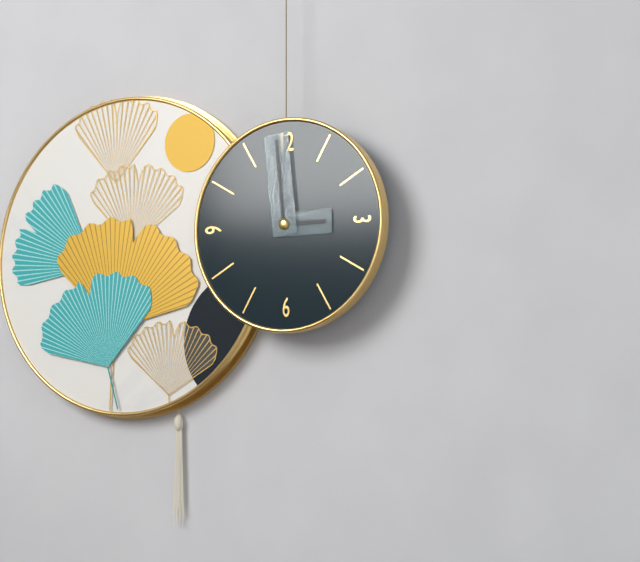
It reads h=2 m=59
